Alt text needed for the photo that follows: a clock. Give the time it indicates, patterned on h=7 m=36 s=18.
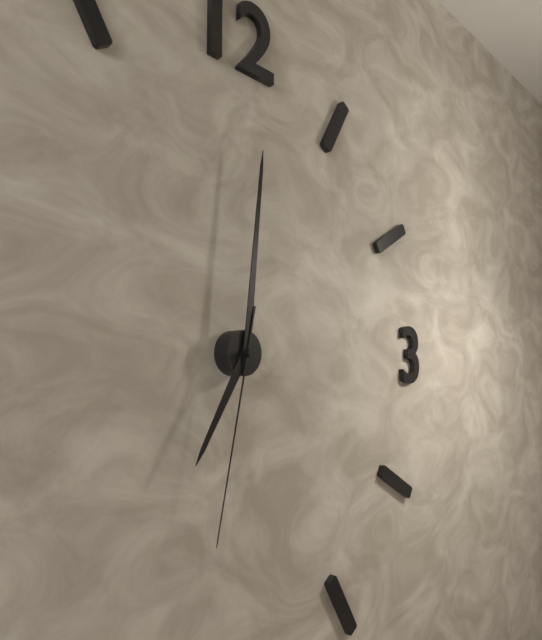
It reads h=7 m=1 s=32
